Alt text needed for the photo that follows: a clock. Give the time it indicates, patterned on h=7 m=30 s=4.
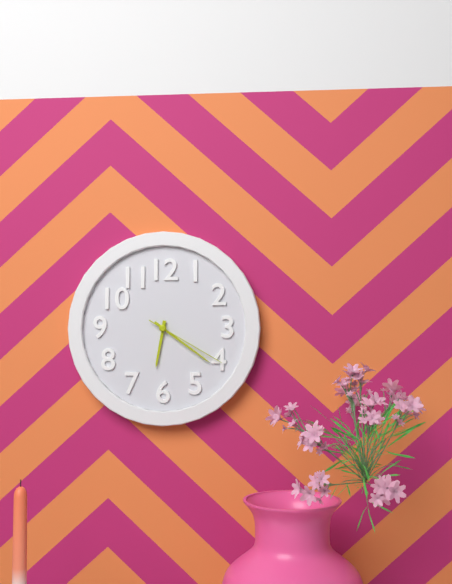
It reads h=6 m=21 s=20
